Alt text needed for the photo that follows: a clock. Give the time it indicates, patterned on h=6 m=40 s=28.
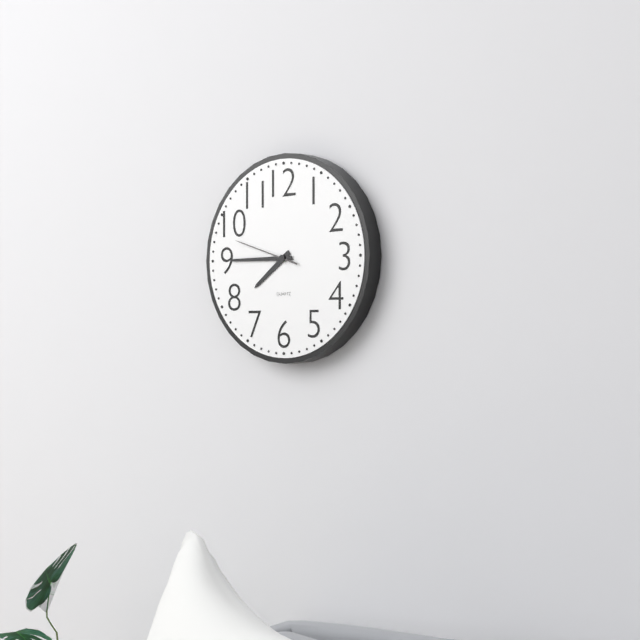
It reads h=7 m=45 s=48
